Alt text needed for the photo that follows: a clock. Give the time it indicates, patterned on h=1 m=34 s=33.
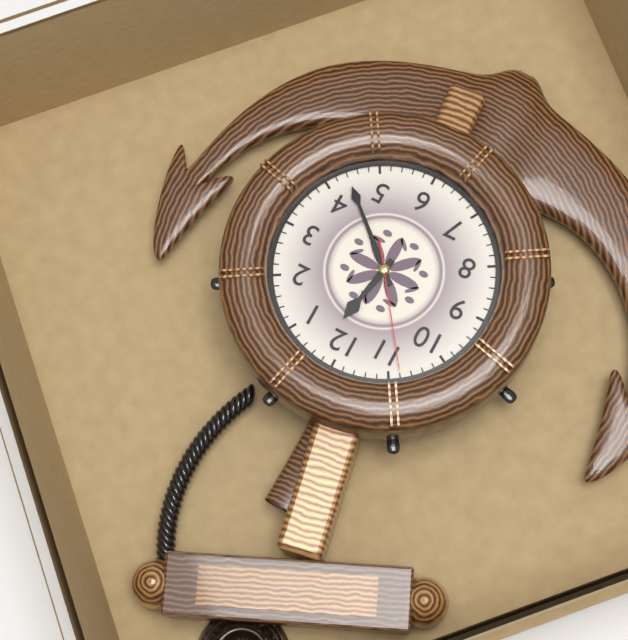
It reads h=12 m=22 s=54
